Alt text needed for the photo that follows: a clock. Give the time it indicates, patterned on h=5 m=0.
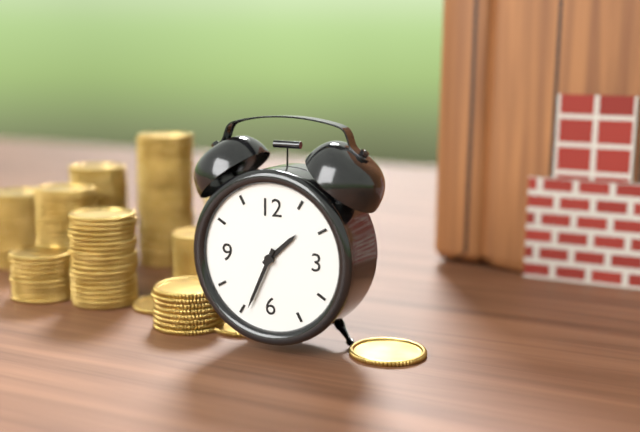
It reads h=1 m=34
